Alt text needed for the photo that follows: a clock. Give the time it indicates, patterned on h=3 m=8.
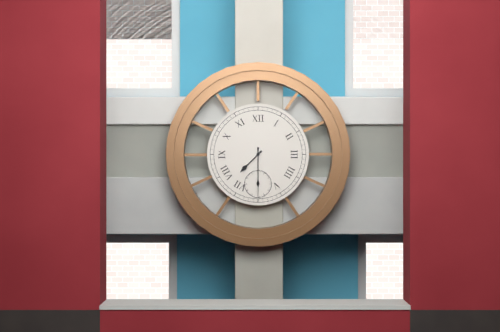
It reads h=7 m=30
